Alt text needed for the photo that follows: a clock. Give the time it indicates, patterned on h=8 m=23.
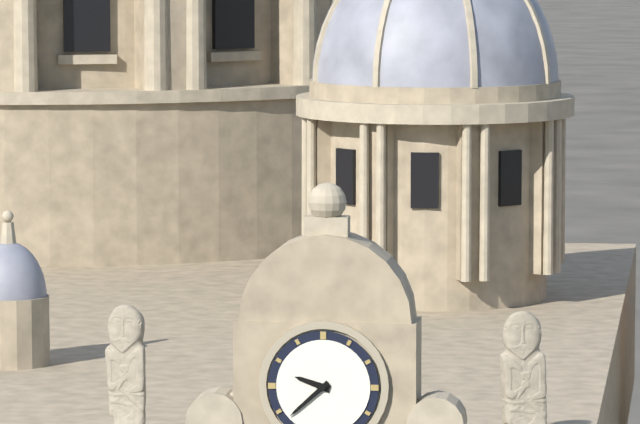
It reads h=9 m=38
